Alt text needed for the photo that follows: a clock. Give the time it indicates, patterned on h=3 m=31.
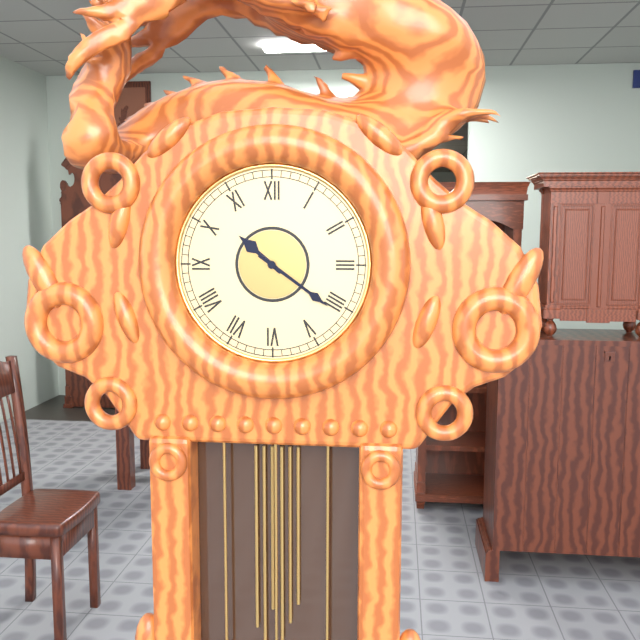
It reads h=10 m=21
